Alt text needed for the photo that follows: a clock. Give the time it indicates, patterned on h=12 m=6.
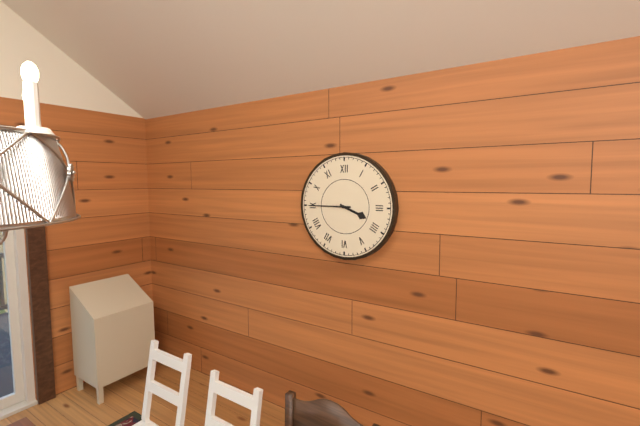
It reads h=3 m=45
